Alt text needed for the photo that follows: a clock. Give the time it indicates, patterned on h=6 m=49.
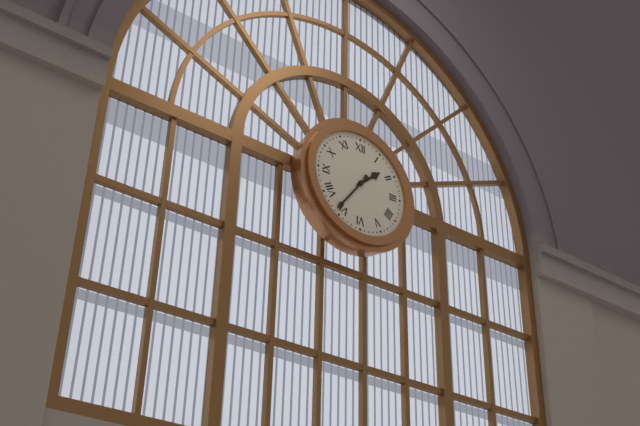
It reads h=1 m=36
